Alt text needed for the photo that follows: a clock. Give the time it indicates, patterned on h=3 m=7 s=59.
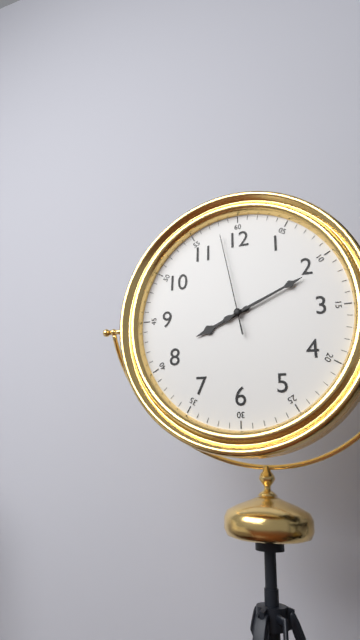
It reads h=8 m=11 s=58
